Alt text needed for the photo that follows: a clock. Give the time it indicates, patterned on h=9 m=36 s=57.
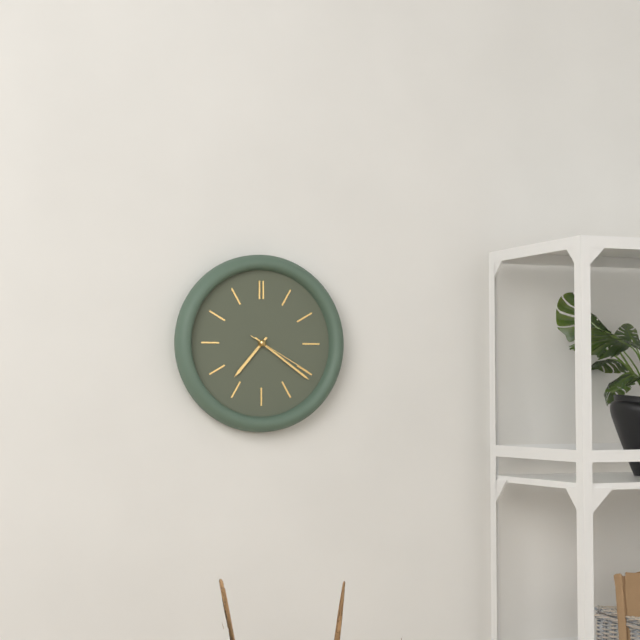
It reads h=7 m=21 s=20
